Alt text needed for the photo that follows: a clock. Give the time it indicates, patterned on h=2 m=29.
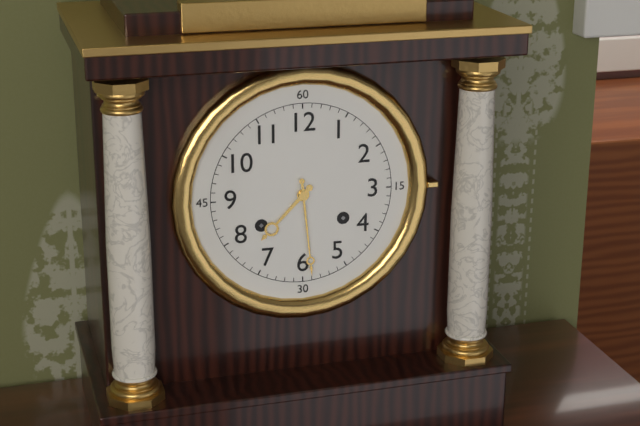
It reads h=7 m=29
